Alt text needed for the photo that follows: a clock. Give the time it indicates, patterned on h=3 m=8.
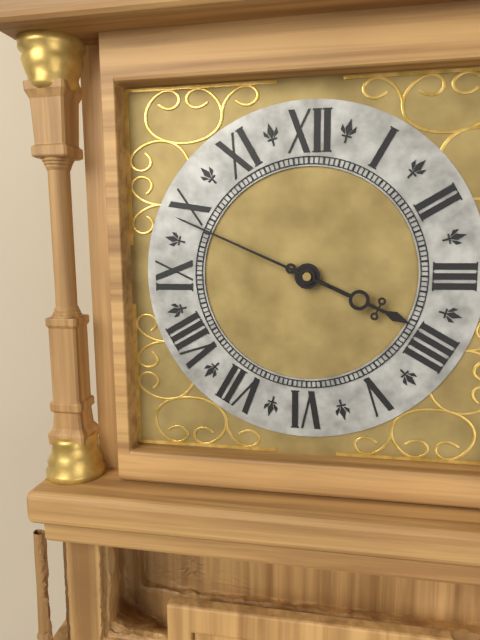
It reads h=3 m=49
